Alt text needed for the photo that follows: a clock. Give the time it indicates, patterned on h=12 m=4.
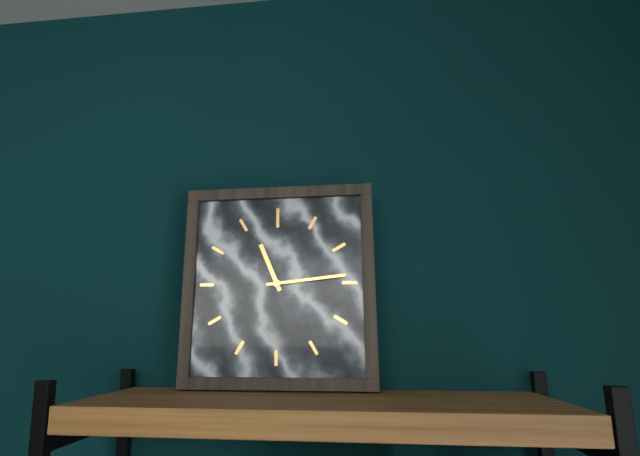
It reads h=11 m=14
